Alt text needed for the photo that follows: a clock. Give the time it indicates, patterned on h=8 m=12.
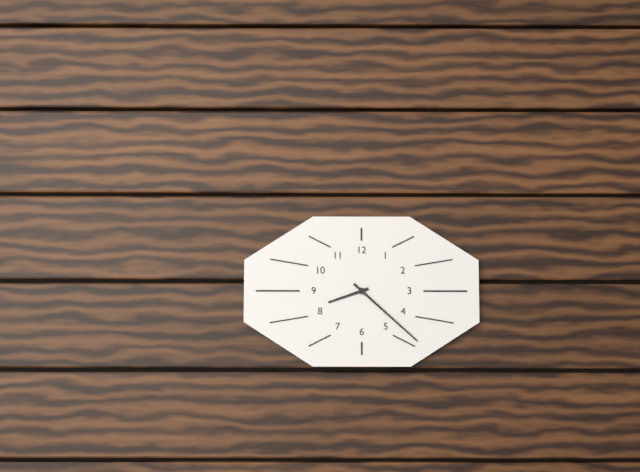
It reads h=8 m=22
